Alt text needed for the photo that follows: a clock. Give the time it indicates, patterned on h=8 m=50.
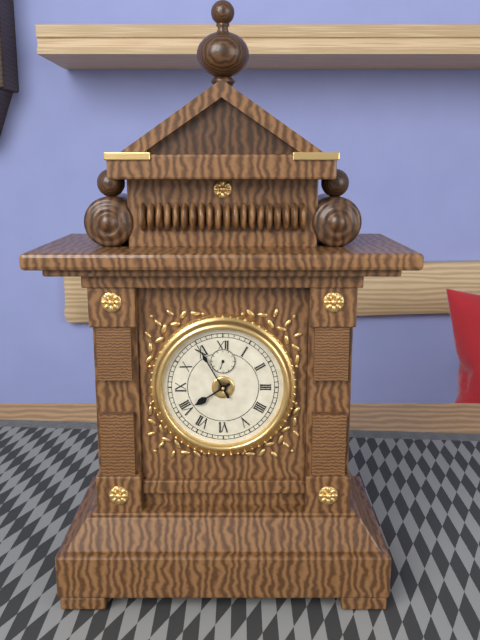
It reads h=7 m=55
